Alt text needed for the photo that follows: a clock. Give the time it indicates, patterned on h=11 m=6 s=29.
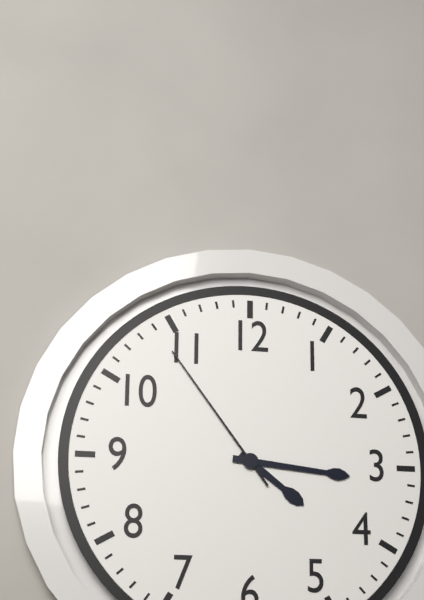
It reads h=4 m=16 s=54
